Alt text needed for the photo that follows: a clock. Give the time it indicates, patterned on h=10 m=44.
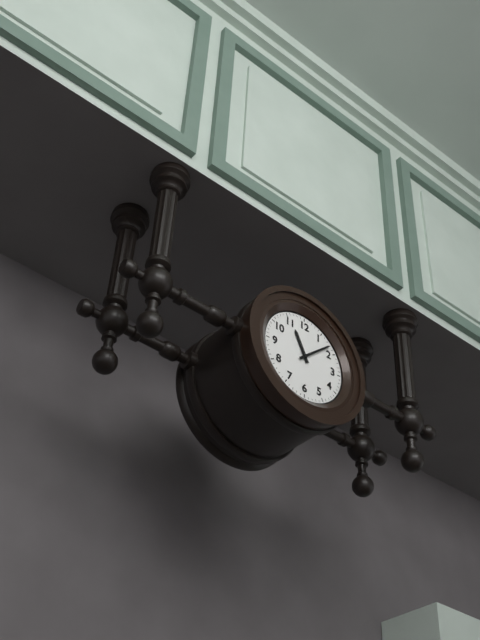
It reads h=11 m=8
